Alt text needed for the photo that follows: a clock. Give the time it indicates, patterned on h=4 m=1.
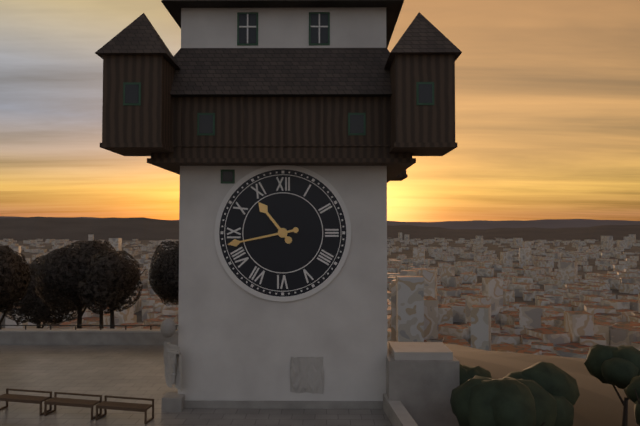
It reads h=10 m=43
